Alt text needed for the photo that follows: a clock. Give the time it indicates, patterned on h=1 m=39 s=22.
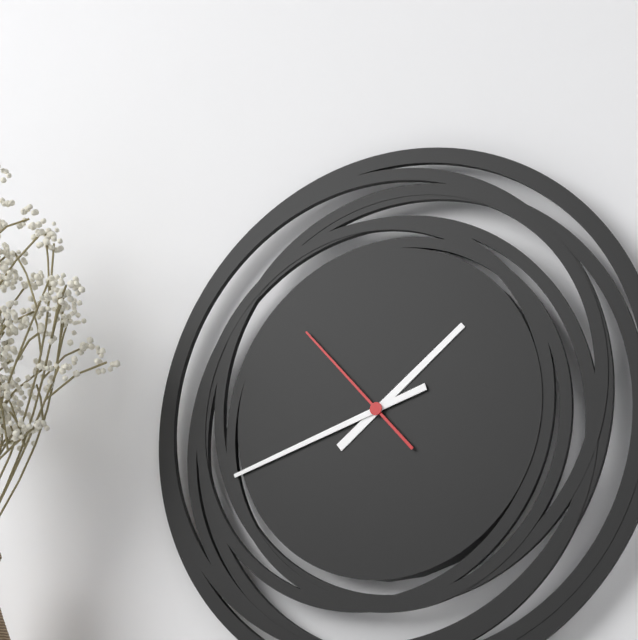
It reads h=1 m=42 s=53
